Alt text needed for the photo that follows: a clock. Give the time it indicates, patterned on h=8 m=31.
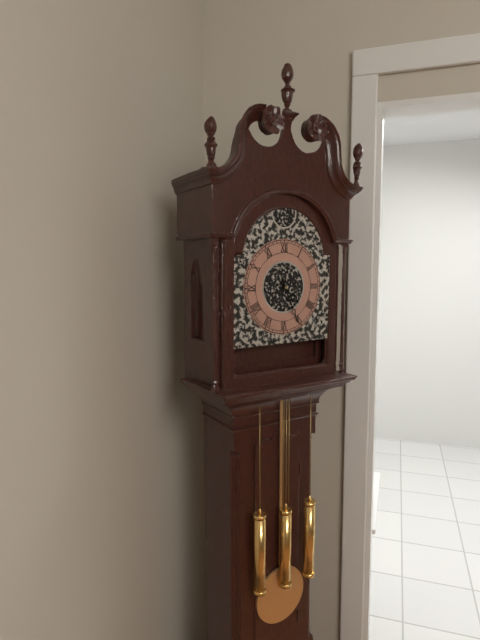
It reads h=4 m=26
